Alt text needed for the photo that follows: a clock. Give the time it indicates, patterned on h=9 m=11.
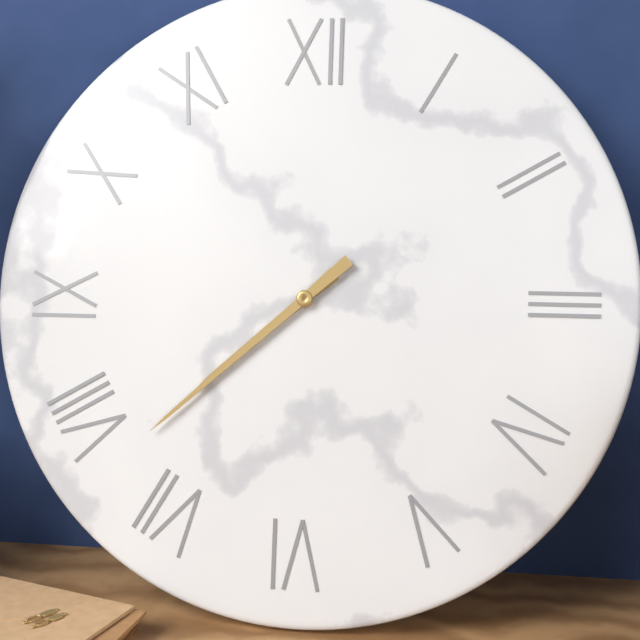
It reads h=7 m=38
